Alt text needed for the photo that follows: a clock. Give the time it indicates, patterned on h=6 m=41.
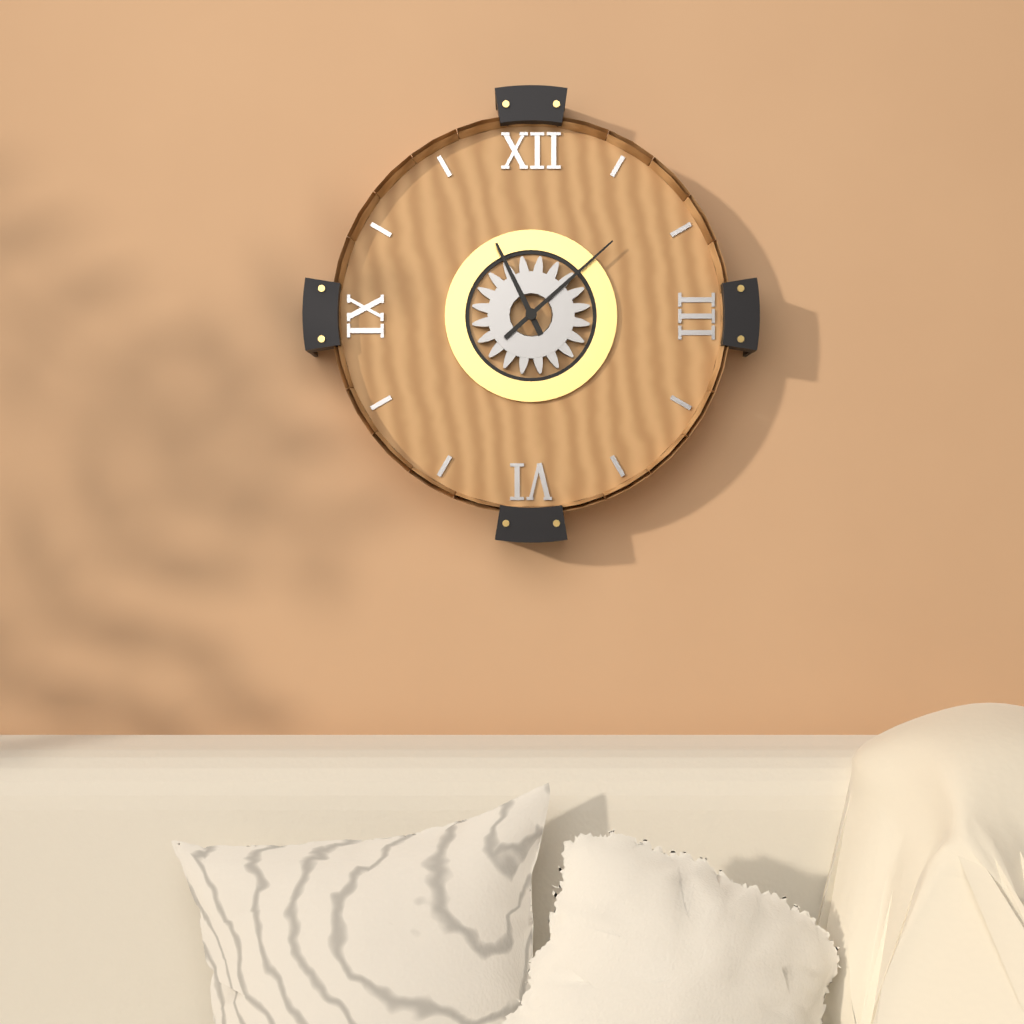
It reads h=11 m=8
